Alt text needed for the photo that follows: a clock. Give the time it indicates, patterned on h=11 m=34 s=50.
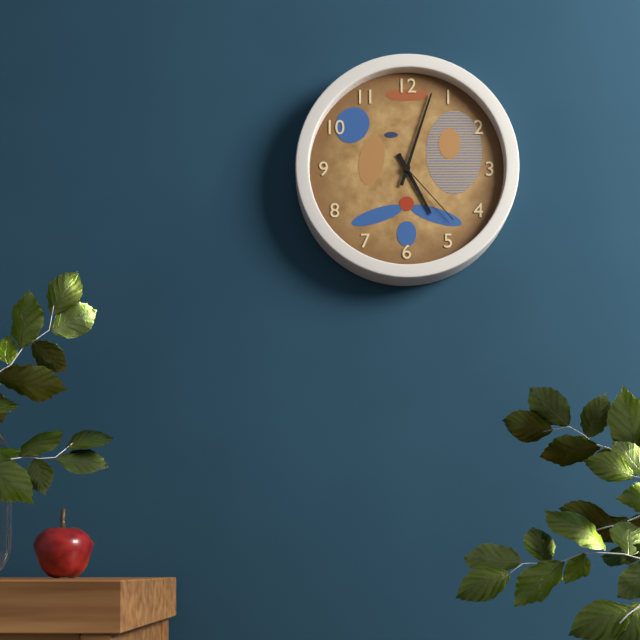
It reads h=5 m=3 s=23
